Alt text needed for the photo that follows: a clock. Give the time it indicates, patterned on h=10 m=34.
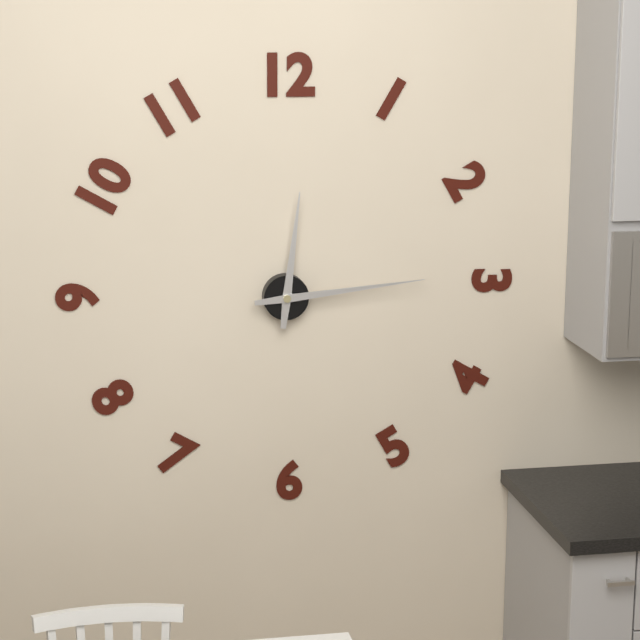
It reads h=12 m=14
